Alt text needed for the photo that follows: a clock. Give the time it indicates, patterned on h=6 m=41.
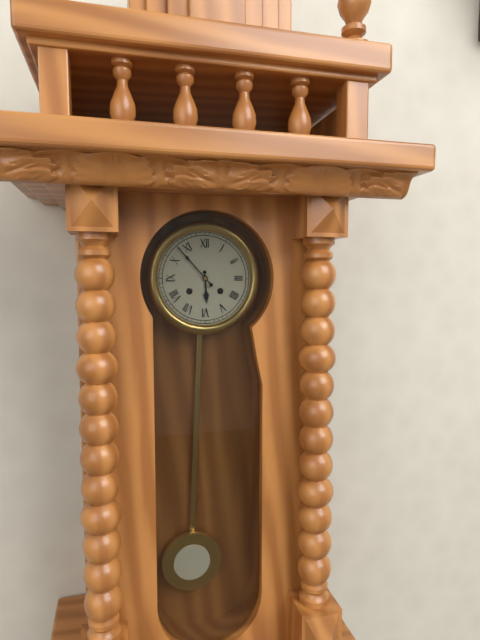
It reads h=5 m=53
